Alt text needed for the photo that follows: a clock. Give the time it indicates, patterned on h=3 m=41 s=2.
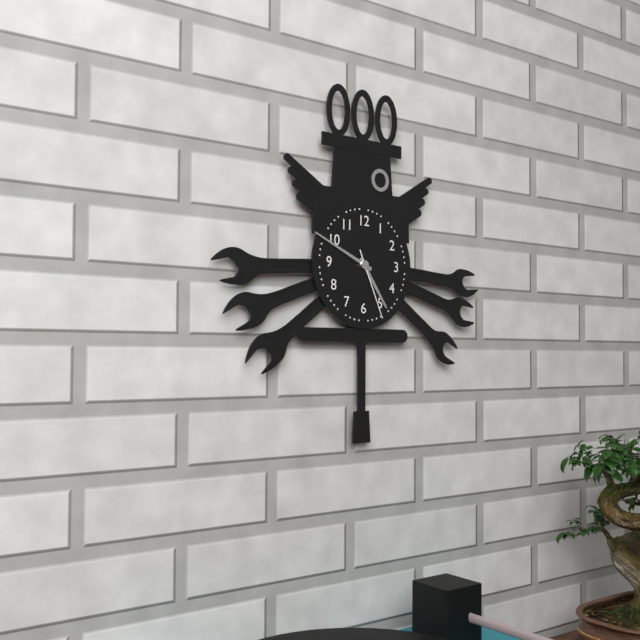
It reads h=4 m=49 s=26
